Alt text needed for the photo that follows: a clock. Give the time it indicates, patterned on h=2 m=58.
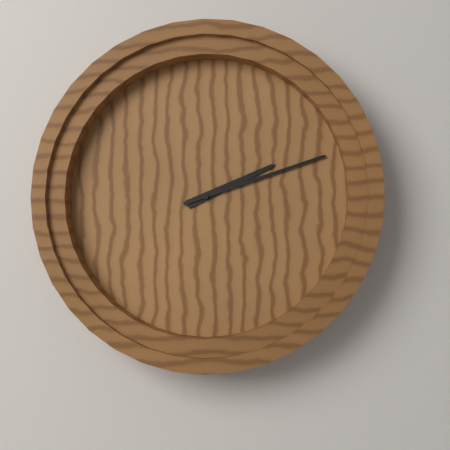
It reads h=2 m=12
